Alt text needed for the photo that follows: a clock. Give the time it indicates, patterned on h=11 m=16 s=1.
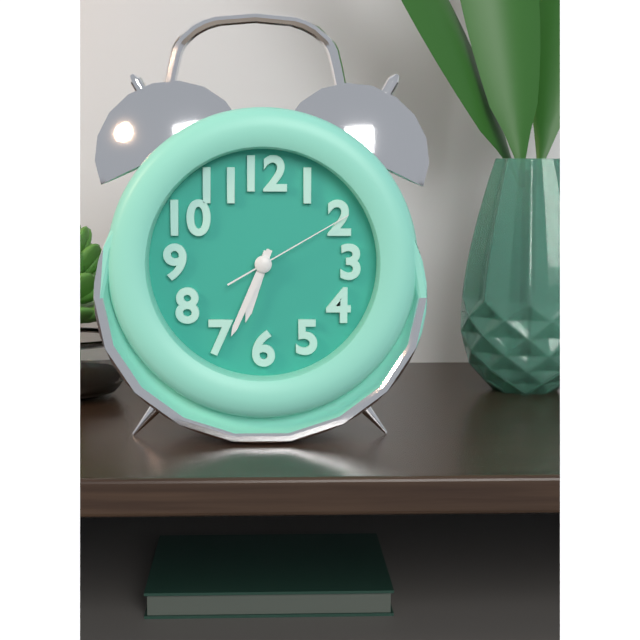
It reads h=6 m=34 s=10
